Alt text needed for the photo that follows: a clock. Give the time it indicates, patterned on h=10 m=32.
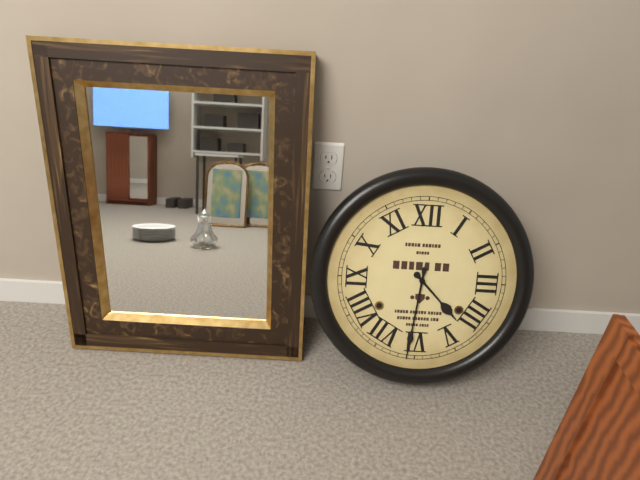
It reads h=4 m=31
